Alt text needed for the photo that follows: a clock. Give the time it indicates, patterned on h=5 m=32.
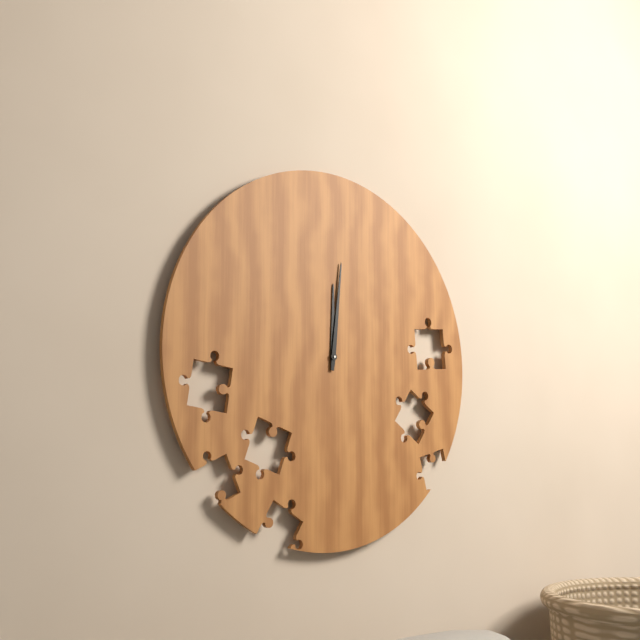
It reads h=12 m=1
